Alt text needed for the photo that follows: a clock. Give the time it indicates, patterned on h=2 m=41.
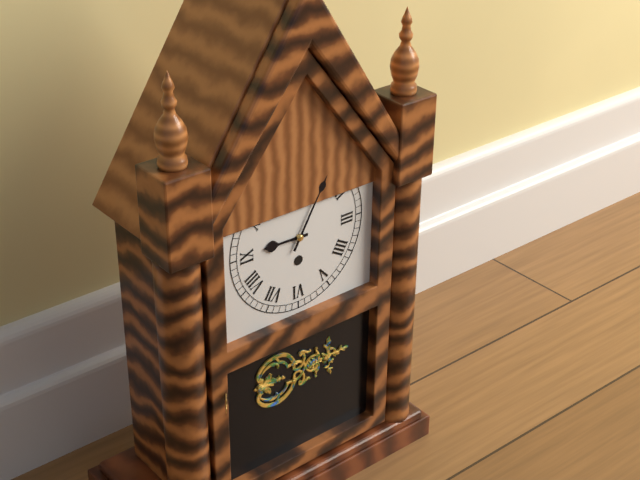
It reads h=9 m=5
